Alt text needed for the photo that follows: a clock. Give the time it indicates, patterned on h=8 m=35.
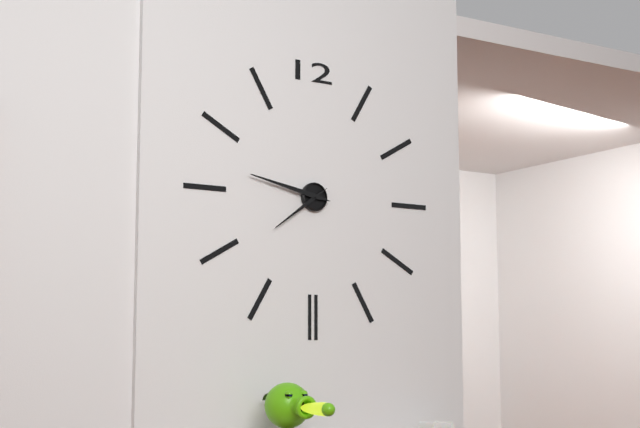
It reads h=7 m=47
